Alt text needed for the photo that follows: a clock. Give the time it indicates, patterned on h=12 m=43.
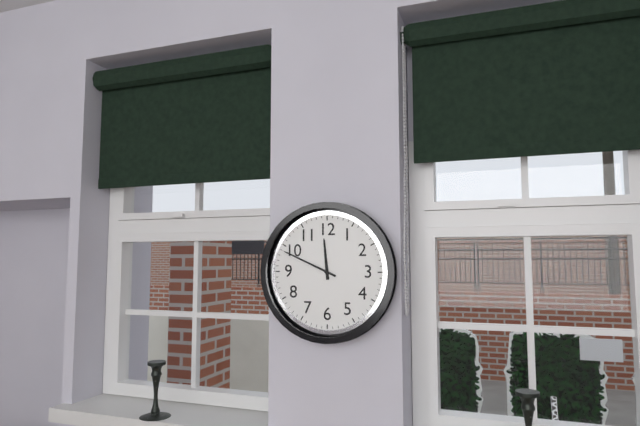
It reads h=11 m=49
